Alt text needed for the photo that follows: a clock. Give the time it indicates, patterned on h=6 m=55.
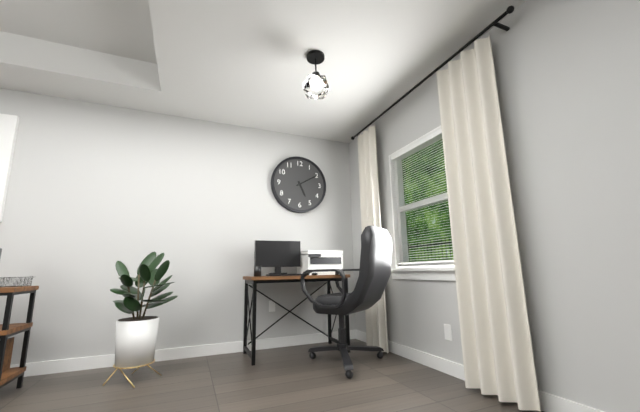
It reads h=5 m=10
